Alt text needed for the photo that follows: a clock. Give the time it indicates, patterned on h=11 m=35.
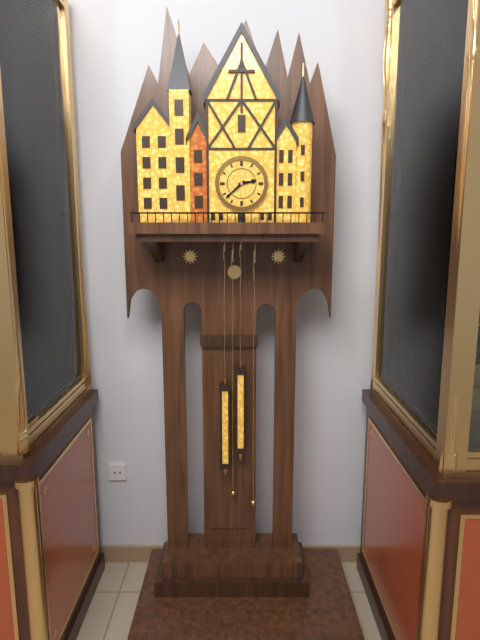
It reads h=2 m=38
